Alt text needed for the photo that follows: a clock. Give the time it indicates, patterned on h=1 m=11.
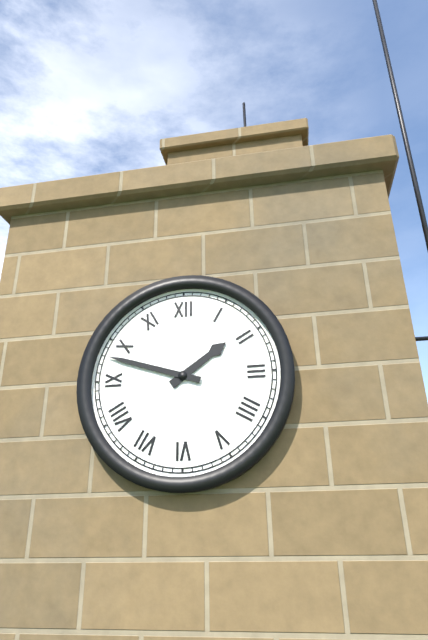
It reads h=1 m=48
